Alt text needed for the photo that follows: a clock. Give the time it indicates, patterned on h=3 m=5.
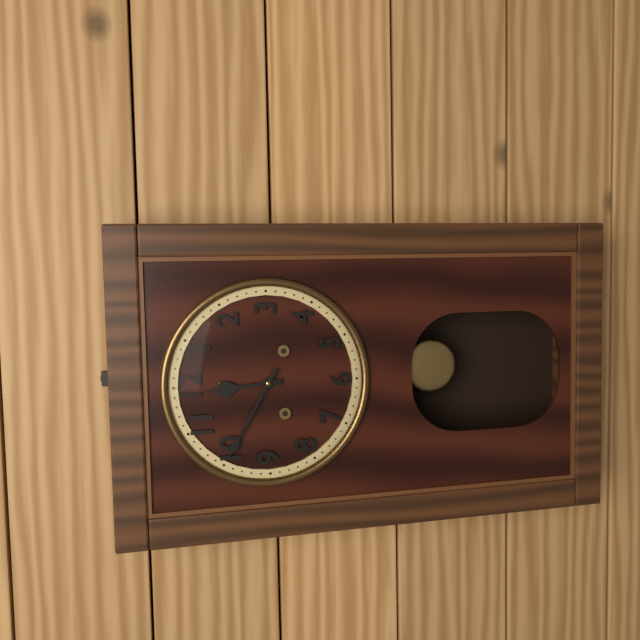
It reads h=11 m=50
